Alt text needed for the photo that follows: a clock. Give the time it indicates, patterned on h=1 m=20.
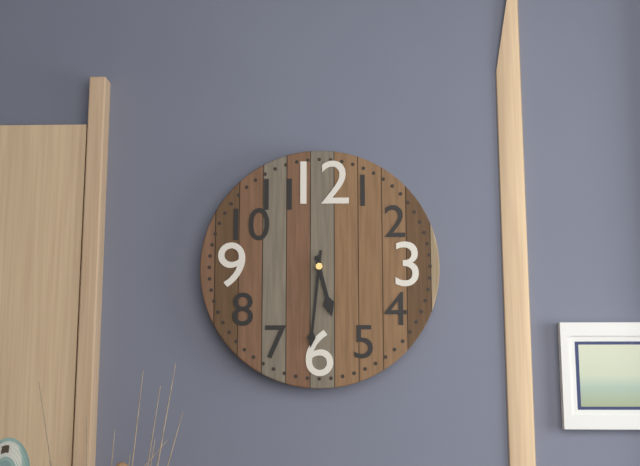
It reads h=5 m=31
